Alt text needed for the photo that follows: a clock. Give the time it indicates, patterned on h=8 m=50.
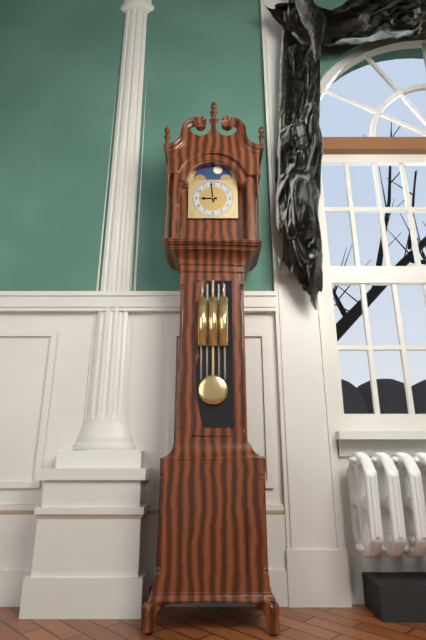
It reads h=8 m=59
